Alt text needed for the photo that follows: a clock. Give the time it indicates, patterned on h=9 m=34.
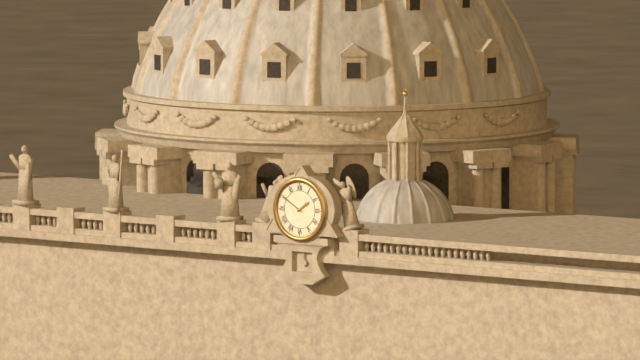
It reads h=1 m=50
